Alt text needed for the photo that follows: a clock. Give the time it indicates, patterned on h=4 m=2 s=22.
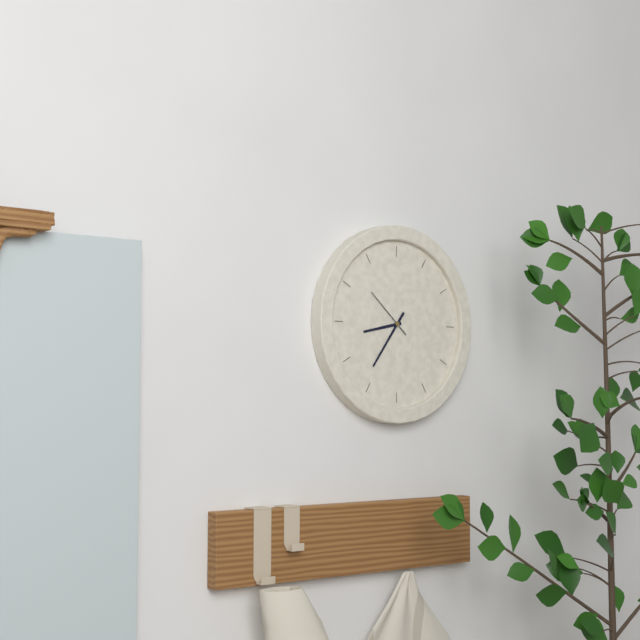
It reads h=8 m=36 s=52
